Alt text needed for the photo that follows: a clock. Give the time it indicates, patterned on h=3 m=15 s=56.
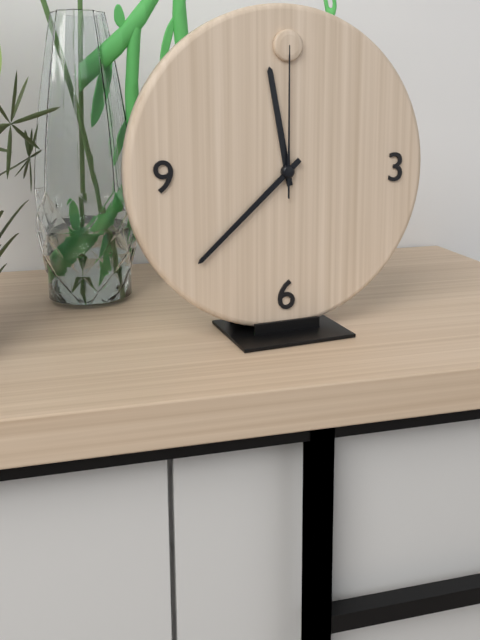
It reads h=11 m=38 s=0
